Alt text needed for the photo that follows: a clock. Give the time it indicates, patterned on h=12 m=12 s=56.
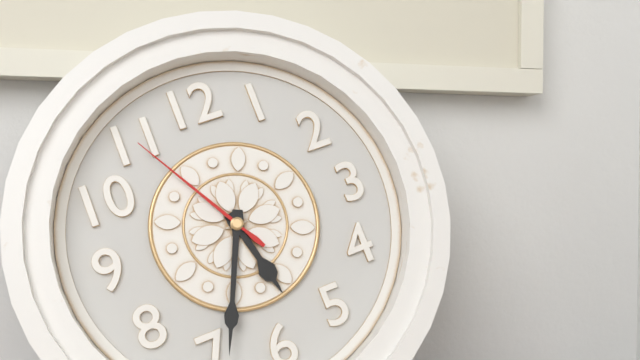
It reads h=5 m=34 s=55
